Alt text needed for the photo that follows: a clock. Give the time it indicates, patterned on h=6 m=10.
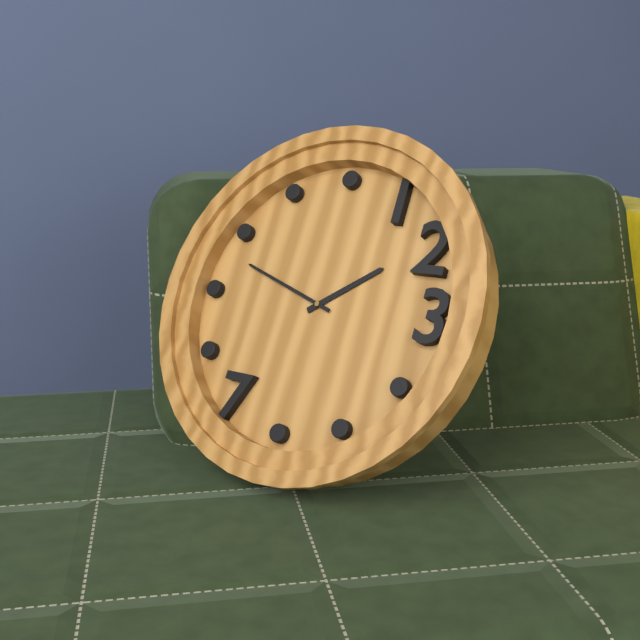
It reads h=1 m=48
